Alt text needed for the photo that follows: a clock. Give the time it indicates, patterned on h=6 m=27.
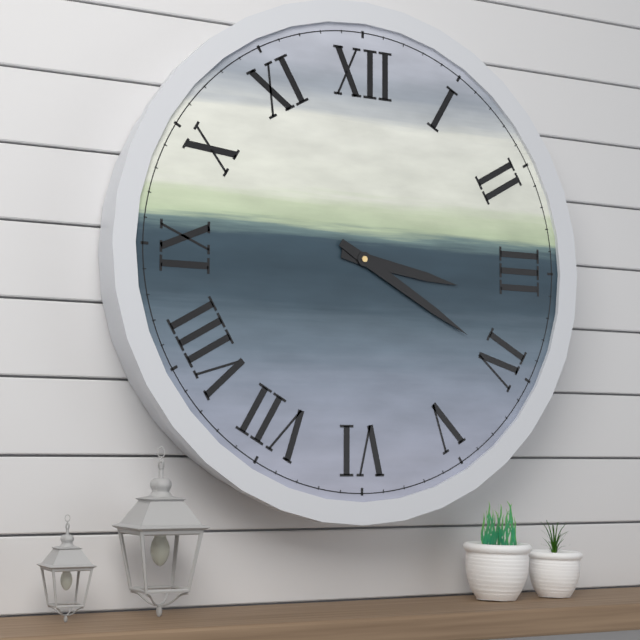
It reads h=3 m=20
